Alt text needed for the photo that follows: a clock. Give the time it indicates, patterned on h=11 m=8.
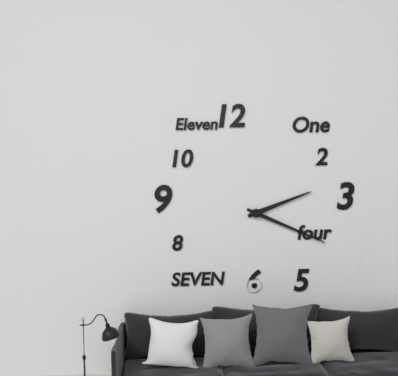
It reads h=2 m=19
